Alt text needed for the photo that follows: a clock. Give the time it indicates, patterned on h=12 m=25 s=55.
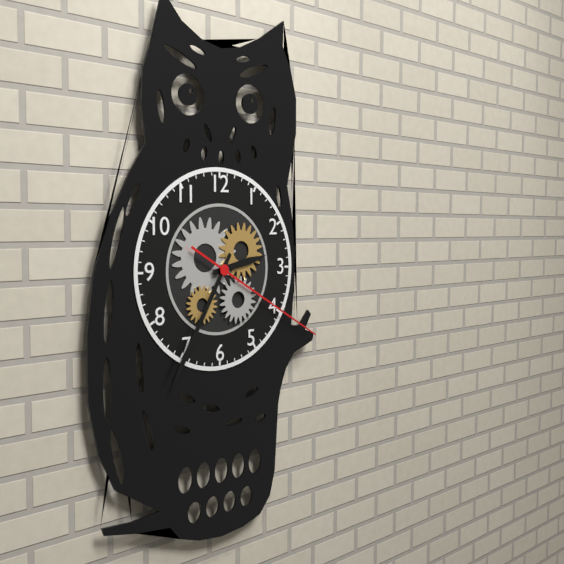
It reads h=2 m=35 s=20
